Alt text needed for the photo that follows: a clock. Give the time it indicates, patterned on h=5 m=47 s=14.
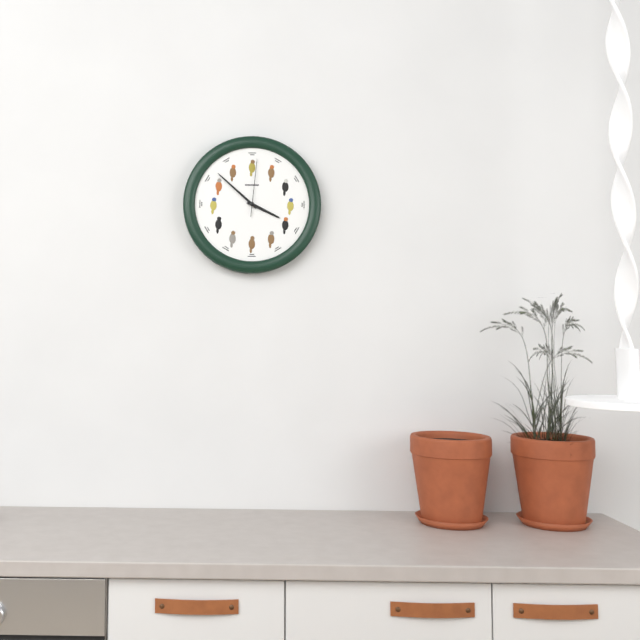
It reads h=3 m=52 s=1
